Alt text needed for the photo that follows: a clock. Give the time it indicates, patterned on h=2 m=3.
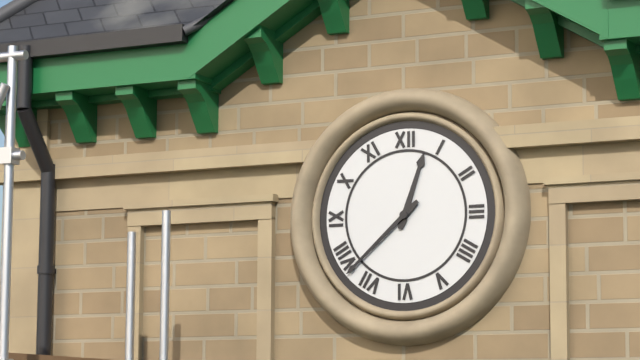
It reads h=12 m=38
